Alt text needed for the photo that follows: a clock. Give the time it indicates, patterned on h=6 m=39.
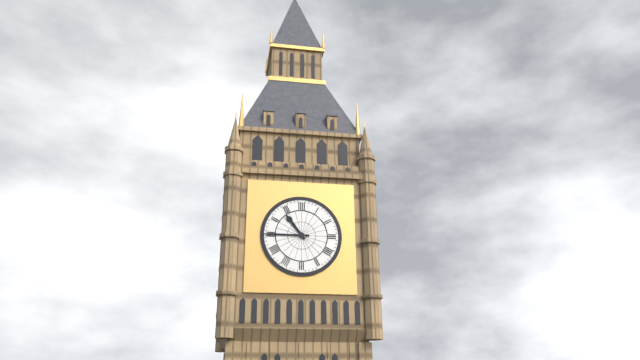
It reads h=10 m=45
